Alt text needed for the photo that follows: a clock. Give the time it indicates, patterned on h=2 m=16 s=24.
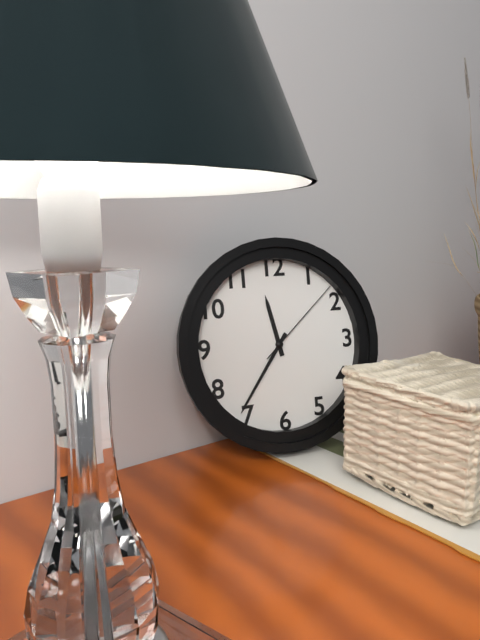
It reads h=11 m=36 s=8
